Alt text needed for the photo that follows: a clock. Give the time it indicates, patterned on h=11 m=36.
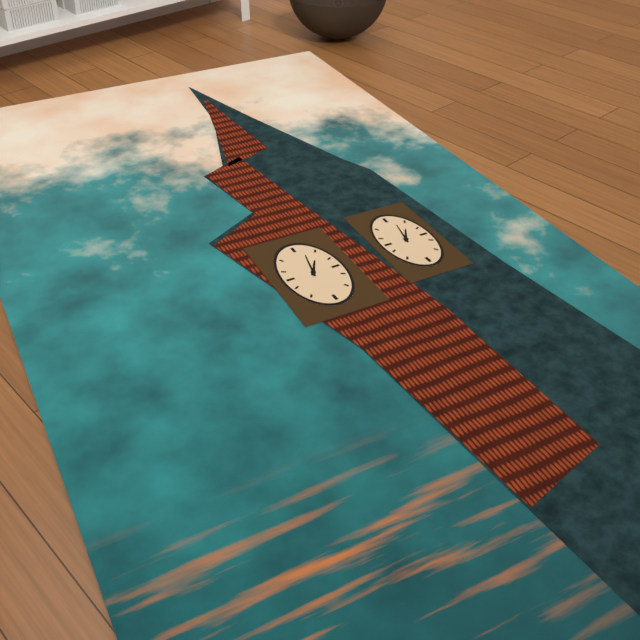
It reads h=1 m=2
